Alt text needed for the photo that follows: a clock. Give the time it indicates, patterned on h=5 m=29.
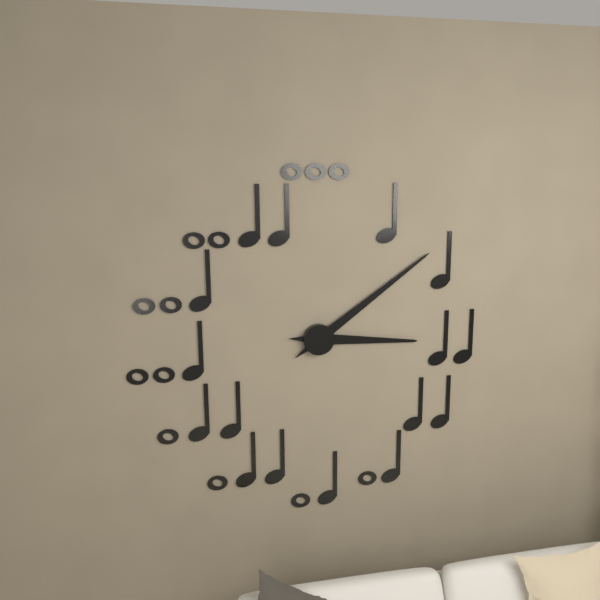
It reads h=3 m=9
